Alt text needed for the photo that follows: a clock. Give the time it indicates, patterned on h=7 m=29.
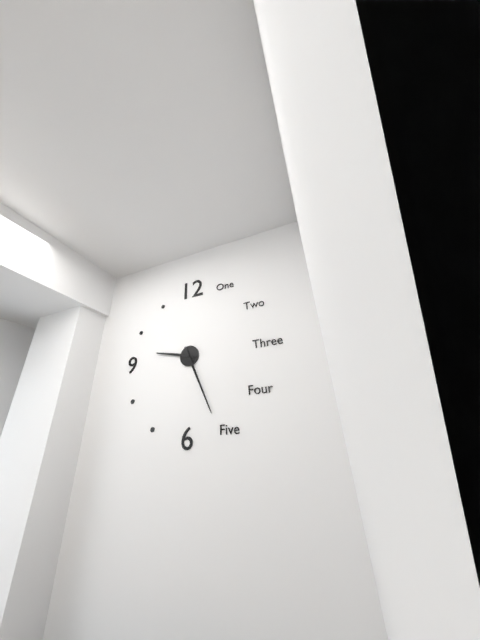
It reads h=9 m=26
